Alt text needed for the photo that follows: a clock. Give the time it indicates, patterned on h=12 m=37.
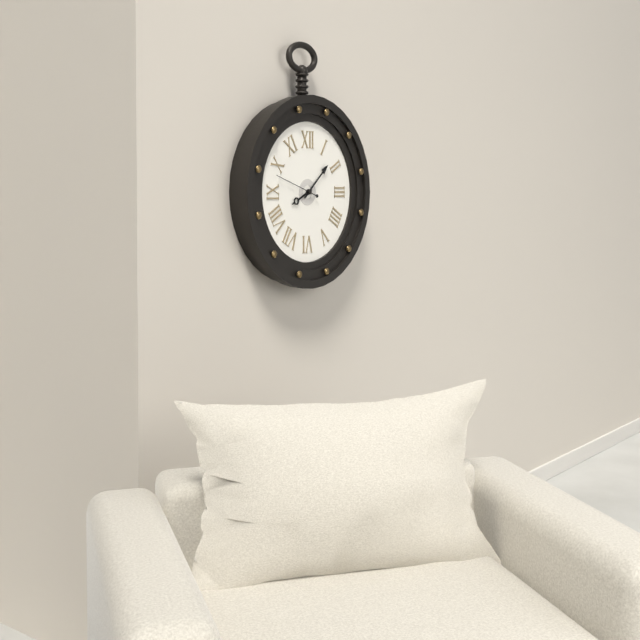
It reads h=8 m=8
